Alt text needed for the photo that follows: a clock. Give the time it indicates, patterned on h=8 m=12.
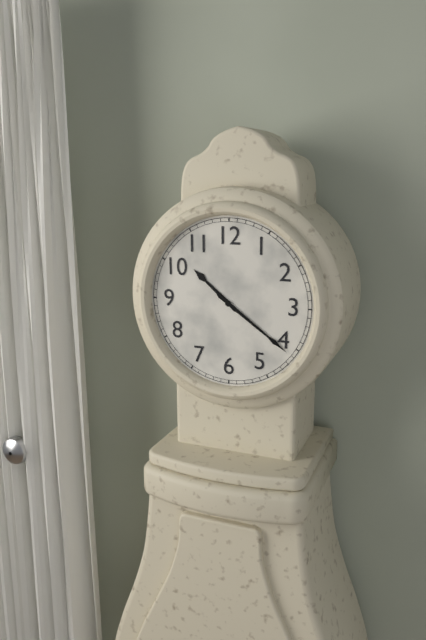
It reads h=10 m=21
